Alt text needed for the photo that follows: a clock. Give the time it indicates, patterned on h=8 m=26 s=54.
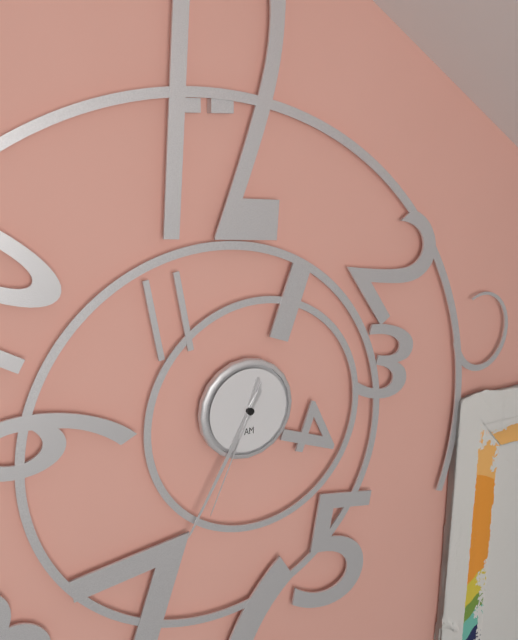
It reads h=12 m=35 s=34
